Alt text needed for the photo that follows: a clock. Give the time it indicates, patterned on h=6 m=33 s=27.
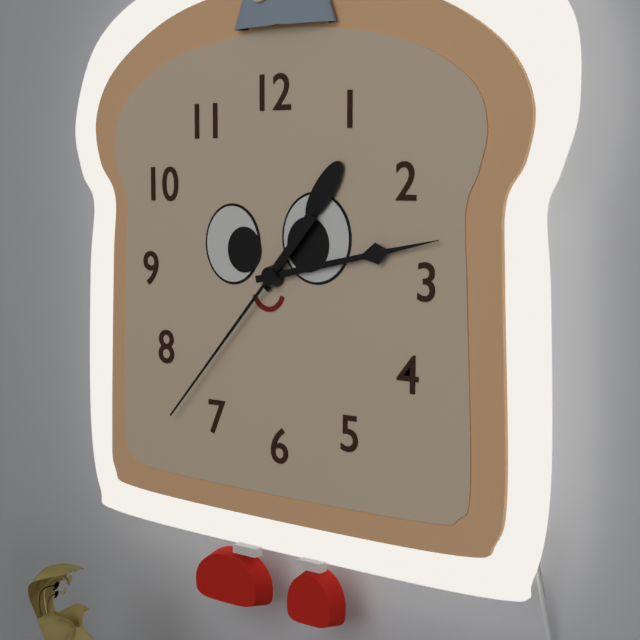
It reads h=1 m=13 s=37
